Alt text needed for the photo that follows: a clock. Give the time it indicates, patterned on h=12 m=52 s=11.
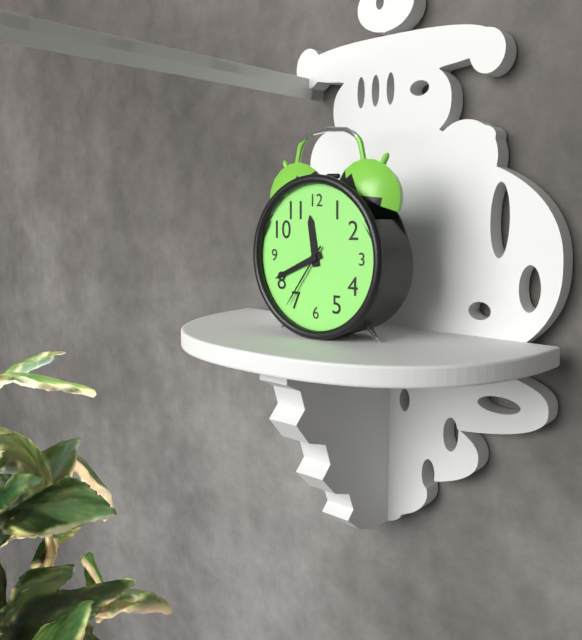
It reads h=11 m=41 s=36
